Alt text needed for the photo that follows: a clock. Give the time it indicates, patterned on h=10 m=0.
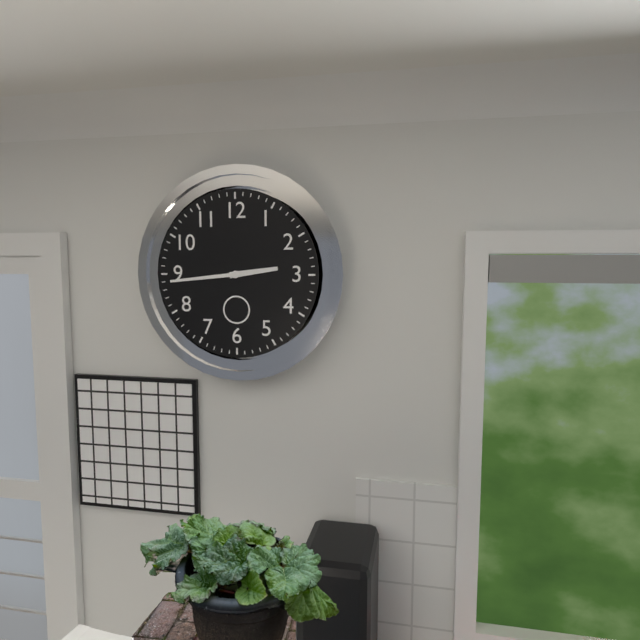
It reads h=2 m=44
